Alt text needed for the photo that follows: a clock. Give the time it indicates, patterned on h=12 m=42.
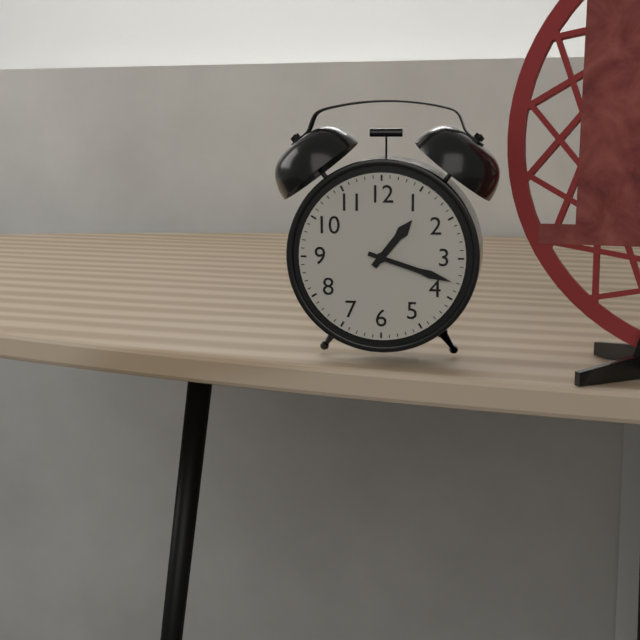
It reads h=1 m=18
